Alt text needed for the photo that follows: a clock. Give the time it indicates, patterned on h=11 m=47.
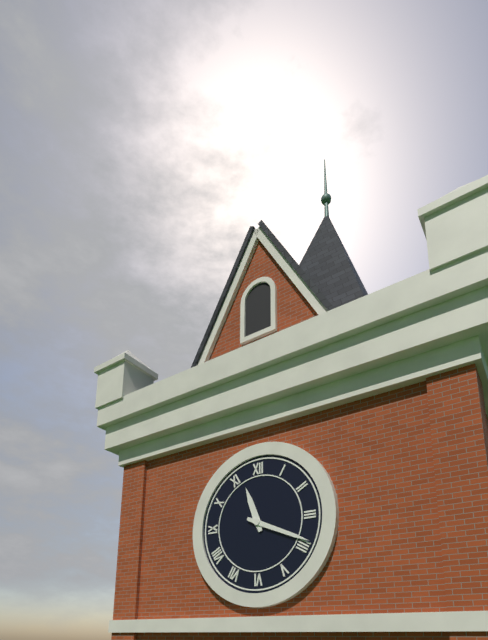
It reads h=11 m=19
